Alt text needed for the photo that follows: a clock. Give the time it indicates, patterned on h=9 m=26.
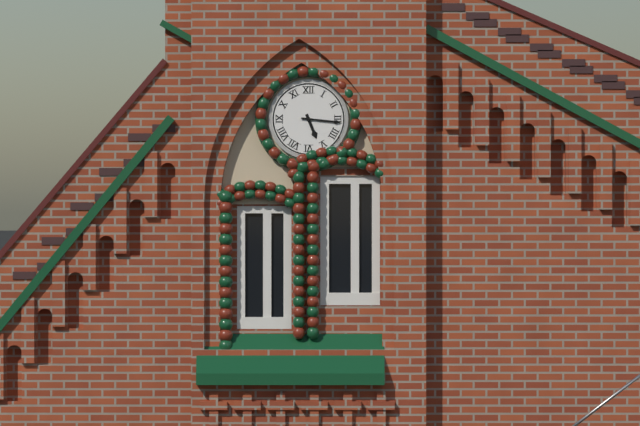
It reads h=5 m=16
